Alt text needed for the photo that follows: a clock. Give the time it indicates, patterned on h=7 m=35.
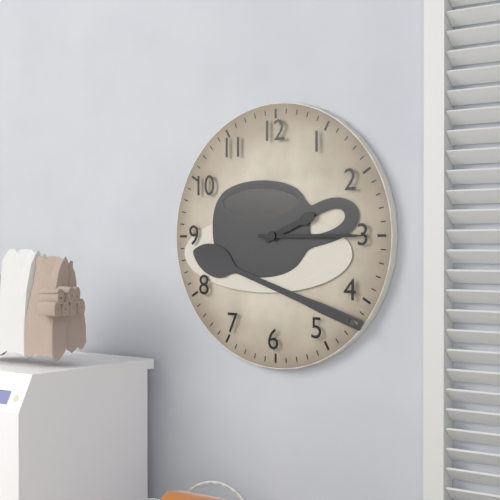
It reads h=2 m=15
